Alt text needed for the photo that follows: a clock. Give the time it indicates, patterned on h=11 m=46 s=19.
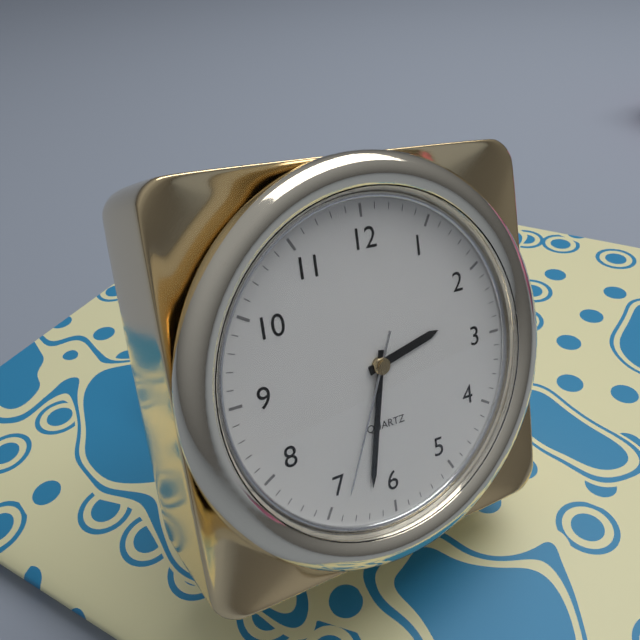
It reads h=2 m=32 s=34
